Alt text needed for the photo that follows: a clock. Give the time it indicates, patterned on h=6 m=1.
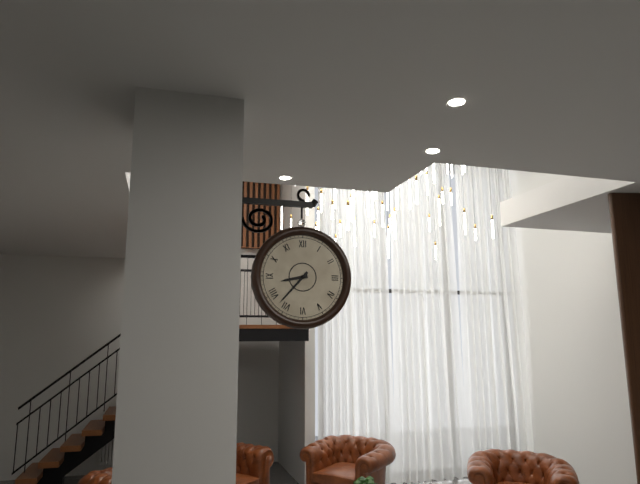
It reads h=8 m=37
